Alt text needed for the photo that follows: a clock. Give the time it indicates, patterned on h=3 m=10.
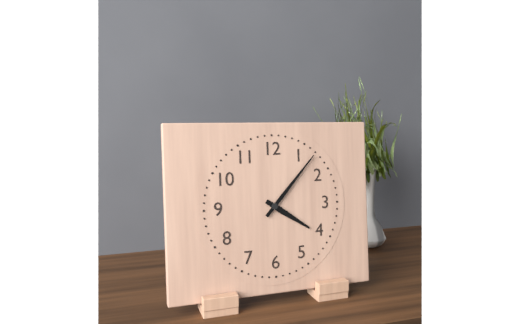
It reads h=4 m=7
